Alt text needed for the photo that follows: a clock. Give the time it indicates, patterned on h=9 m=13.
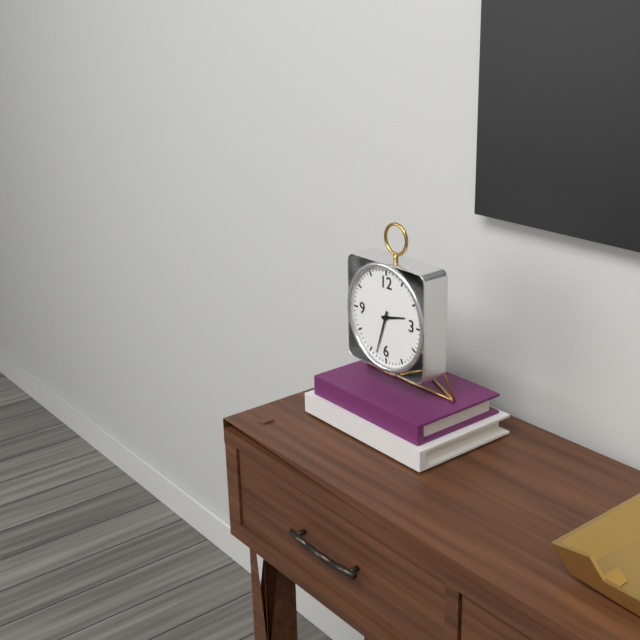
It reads h=2 m=33
